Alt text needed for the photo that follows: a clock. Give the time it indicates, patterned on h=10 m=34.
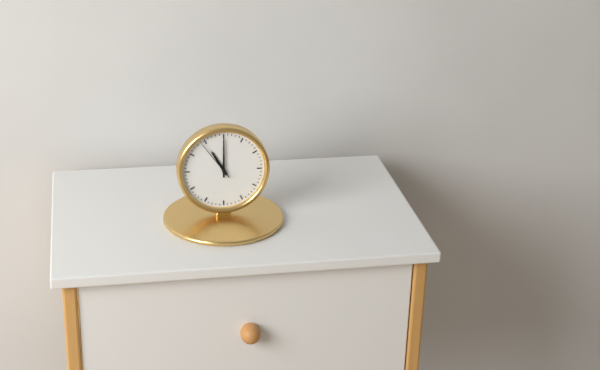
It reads h=11 m=0
